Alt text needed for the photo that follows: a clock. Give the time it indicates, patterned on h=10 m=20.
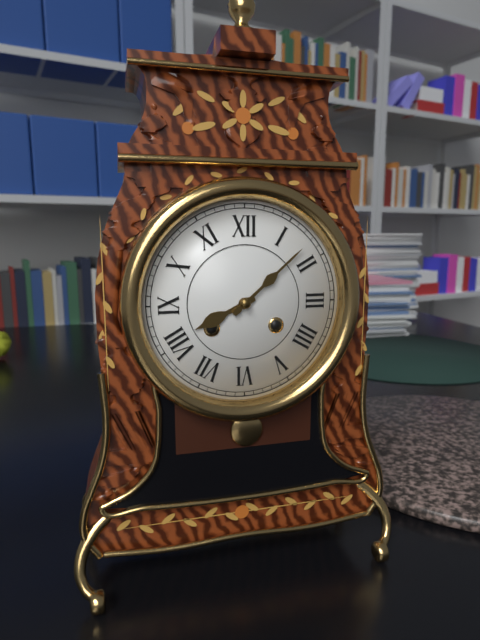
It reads h=8 m=8
